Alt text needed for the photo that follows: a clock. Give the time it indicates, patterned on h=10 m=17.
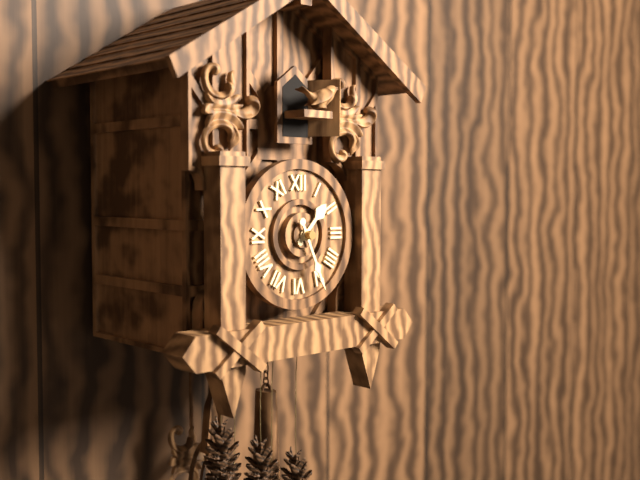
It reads h=1 m=26
